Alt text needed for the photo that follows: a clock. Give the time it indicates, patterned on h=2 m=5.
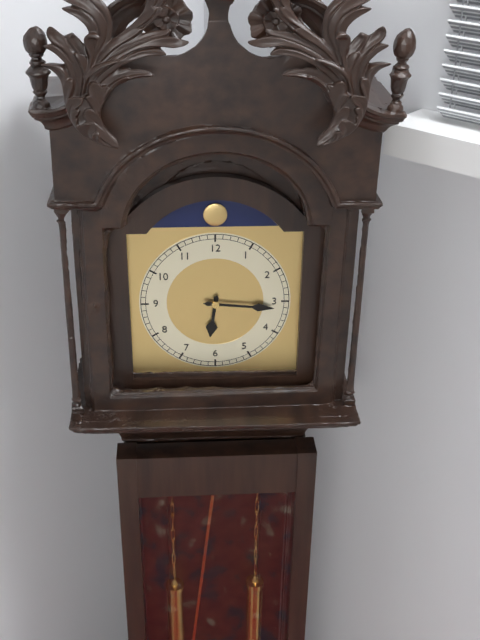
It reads h=6 m=16
